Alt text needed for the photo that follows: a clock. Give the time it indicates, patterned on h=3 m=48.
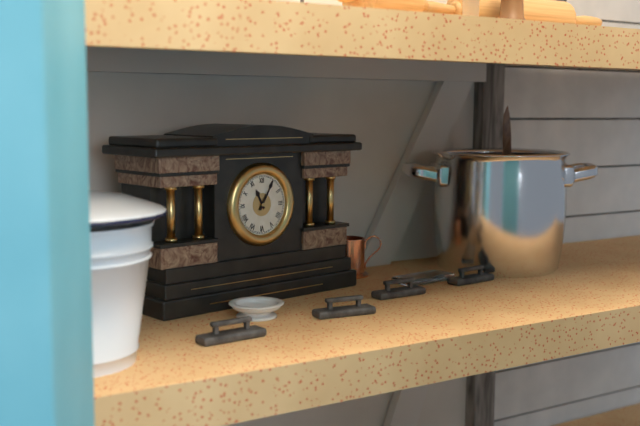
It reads h=11 m=5
